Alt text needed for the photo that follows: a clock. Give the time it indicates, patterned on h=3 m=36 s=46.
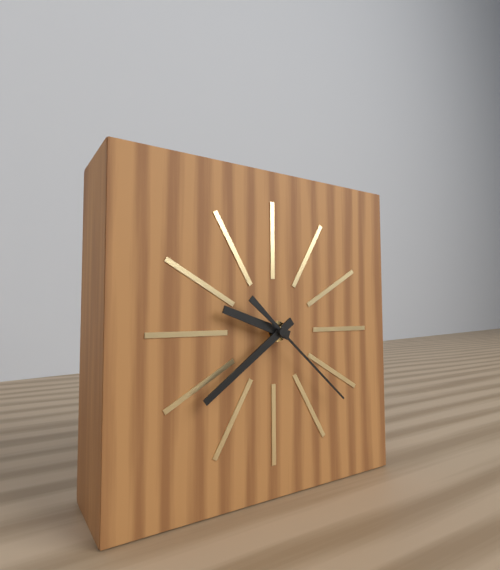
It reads h=9 m=39 s=22
